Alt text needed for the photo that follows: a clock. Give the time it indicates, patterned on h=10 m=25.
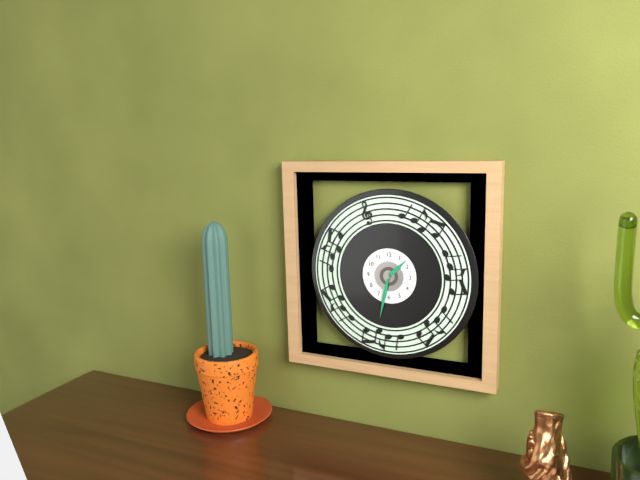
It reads h=1 m=32
